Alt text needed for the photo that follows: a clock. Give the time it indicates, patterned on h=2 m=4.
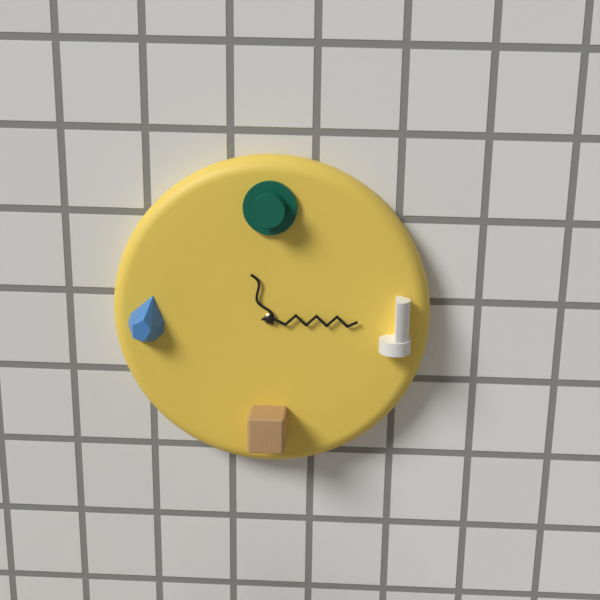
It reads h=11 m=15
